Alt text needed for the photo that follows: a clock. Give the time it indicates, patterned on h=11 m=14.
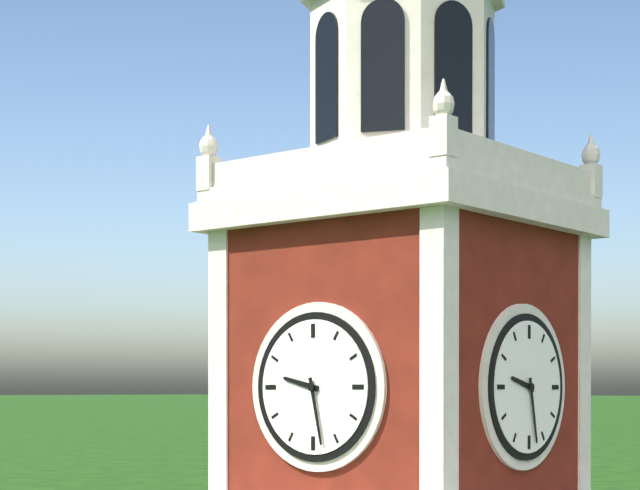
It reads h=9 m=28
